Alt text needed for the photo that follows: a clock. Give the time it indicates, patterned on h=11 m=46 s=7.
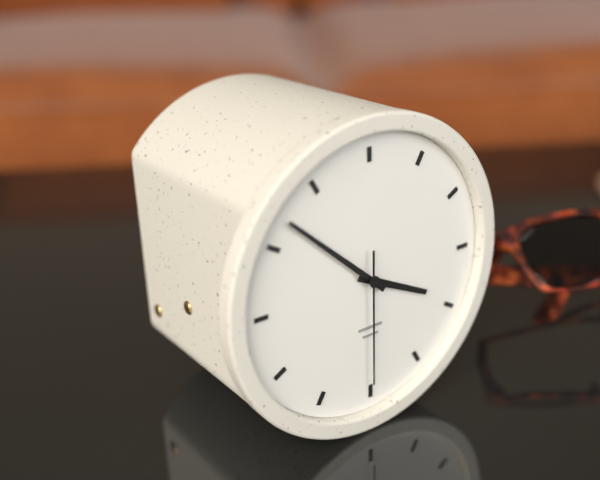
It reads h=3 m=52 s=30
